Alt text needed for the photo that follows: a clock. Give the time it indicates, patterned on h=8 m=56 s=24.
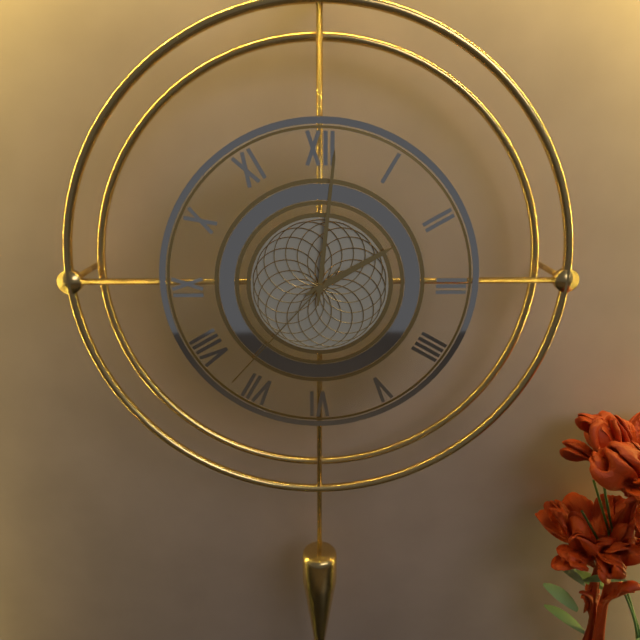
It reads h=2 m=1 s=37
